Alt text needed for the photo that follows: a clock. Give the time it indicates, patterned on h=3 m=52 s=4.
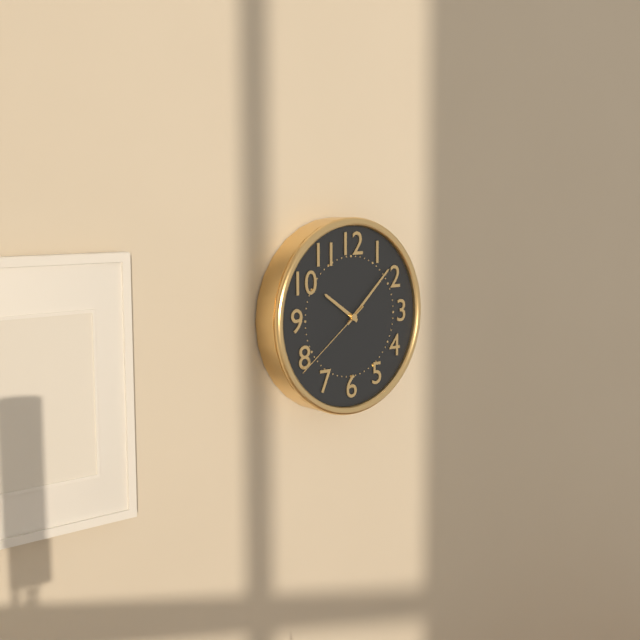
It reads h=10 m=8 s=39
